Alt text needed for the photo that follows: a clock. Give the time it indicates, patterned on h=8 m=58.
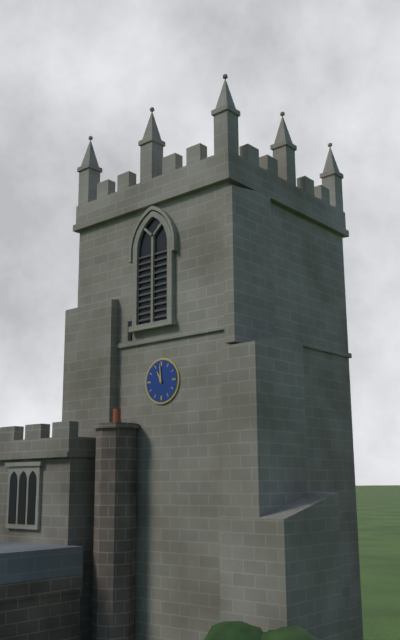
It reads h=10 m=59
